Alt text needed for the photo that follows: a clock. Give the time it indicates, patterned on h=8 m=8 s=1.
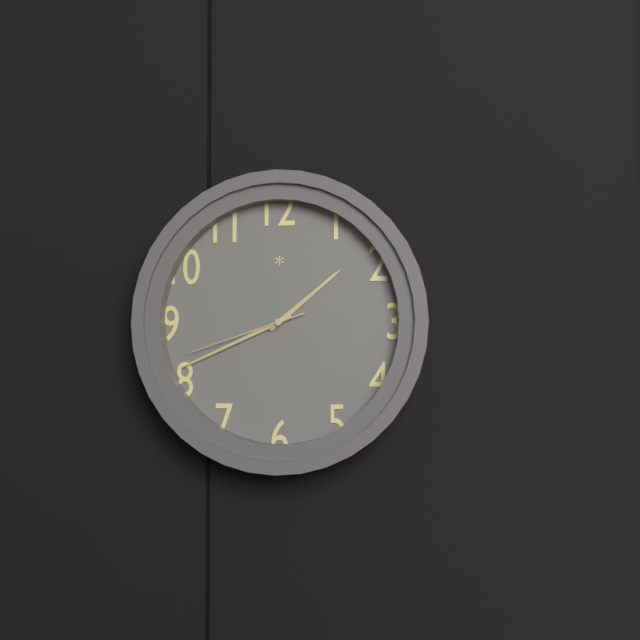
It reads h=1 m=41 s=42
